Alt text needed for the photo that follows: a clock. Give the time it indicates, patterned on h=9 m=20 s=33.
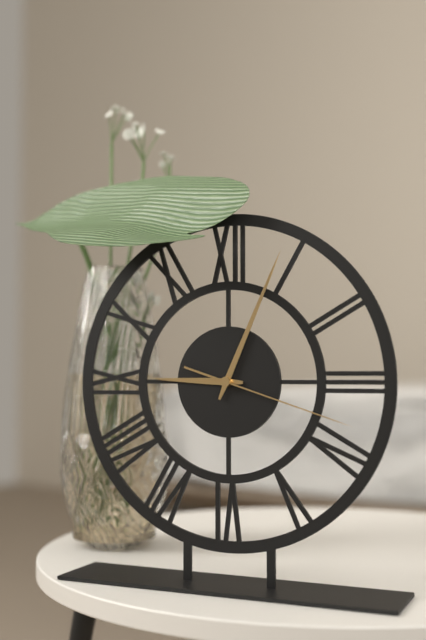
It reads h=9 m=4 s=18
